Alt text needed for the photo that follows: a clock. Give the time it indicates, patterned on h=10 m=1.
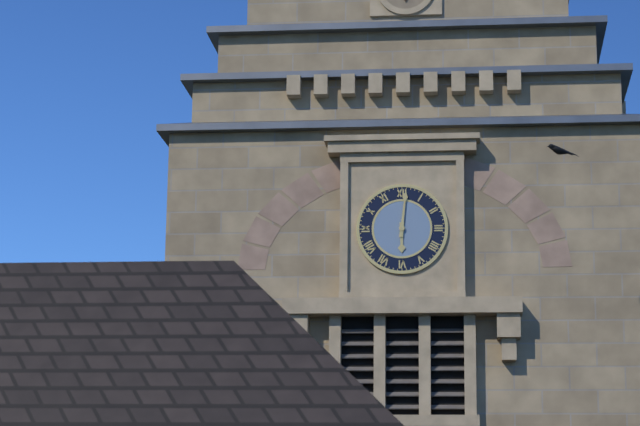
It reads h=6 m=1
